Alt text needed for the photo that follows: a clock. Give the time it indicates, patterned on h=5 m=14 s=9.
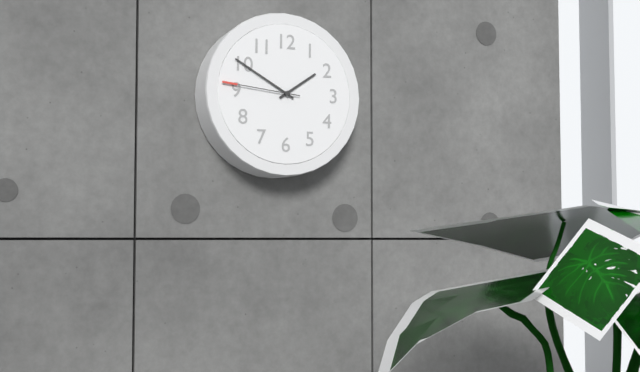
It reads h=1 m=50 s=46
